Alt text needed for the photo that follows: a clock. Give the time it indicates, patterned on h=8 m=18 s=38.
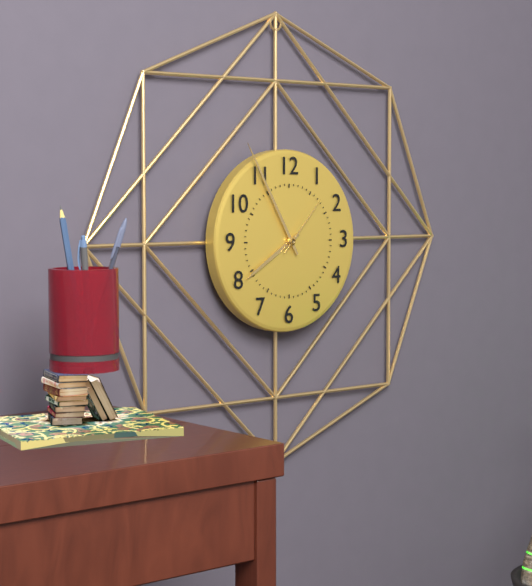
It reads h=7 m=55 s=7
